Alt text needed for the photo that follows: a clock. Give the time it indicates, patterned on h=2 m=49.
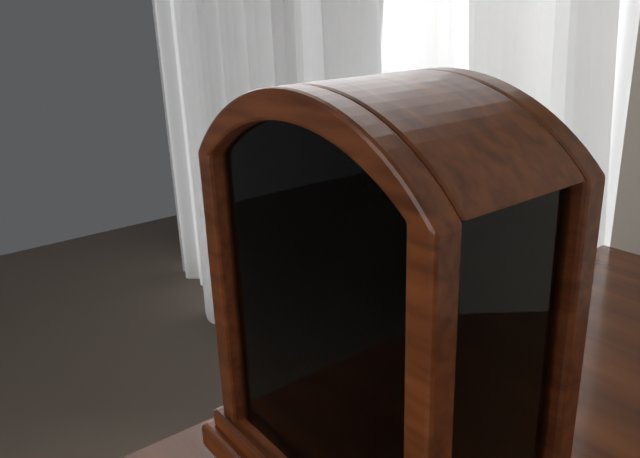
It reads h=4 m=23
